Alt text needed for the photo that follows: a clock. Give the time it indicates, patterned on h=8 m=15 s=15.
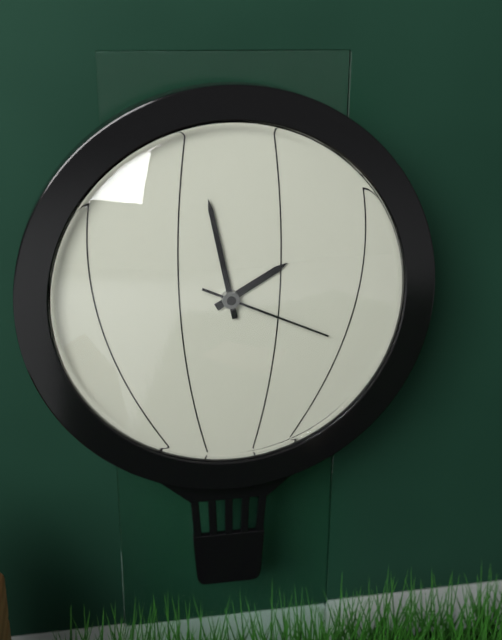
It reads h=1 m=58 s=19
